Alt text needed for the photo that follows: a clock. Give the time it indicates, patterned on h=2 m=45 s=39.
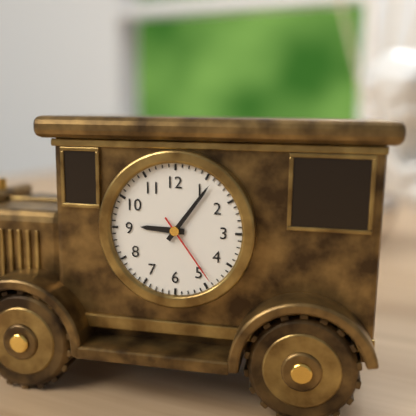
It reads h=9 m=6 s=24
